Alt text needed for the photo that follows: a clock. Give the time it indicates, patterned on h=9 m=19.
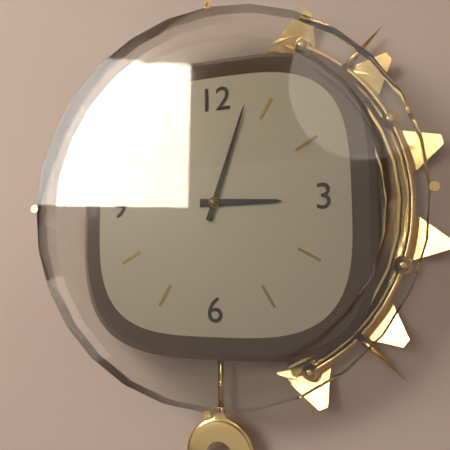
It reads h=3 m=3
